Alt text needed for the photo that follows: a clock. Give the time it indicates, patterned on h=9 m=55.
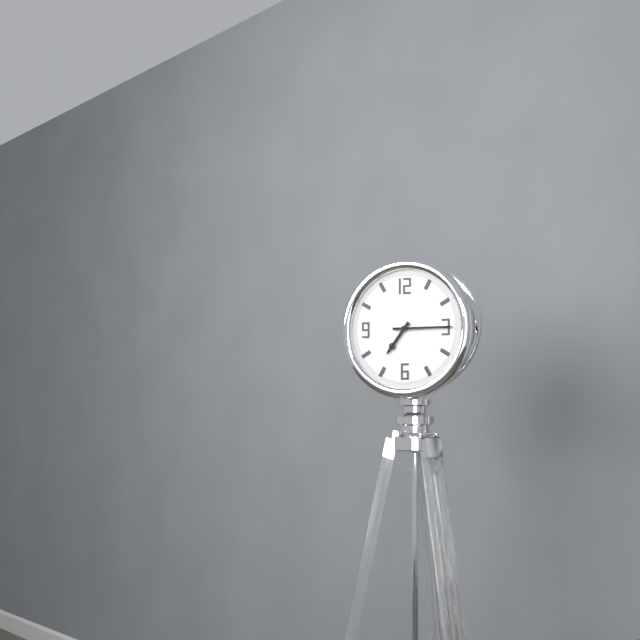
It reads h=7 m=15
